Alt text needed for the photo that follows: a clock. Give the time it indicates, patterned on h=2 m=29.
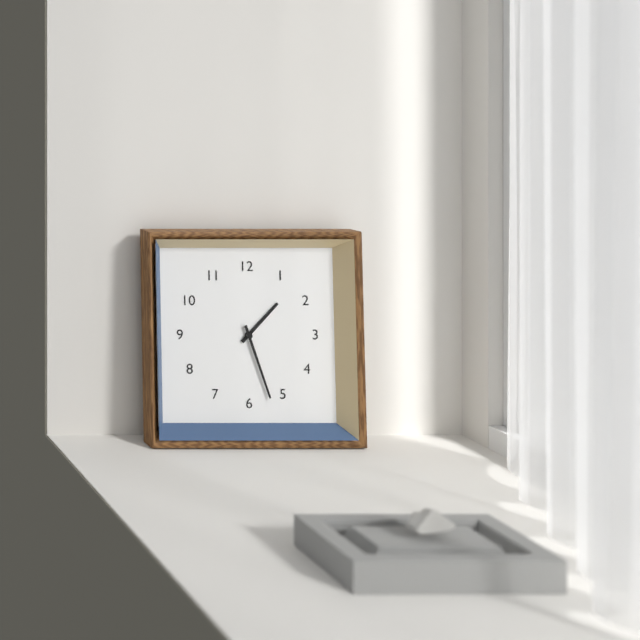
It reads h=1 m=27
